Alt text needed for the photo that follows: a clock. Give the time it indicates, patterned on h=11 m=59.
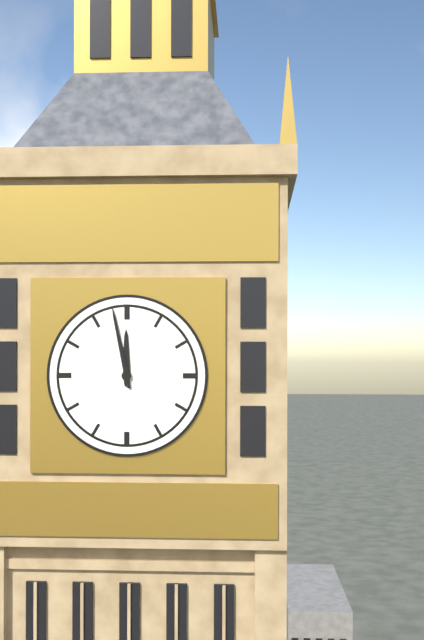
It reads h=11 m=58
